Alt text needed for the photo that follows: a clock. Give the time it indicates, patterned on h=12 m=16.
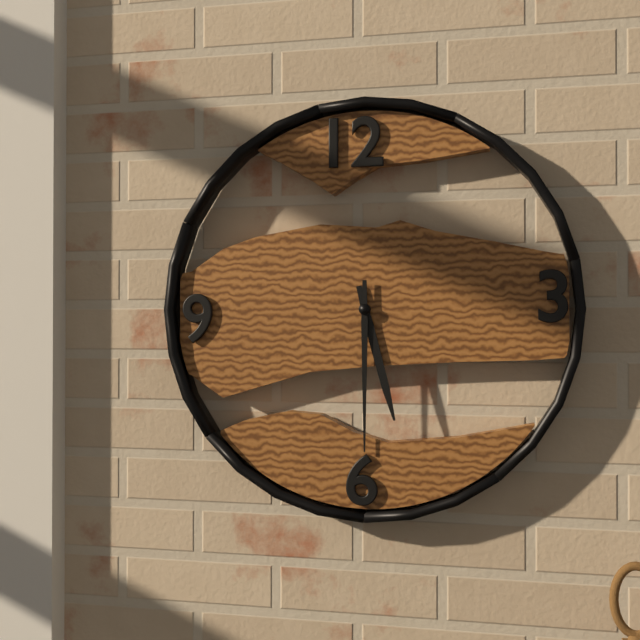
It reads h=5 m=30
